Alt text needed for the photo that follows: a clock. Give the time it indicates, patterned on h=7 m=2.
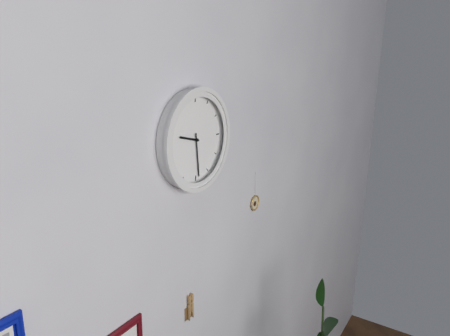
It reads h=9 m=29
